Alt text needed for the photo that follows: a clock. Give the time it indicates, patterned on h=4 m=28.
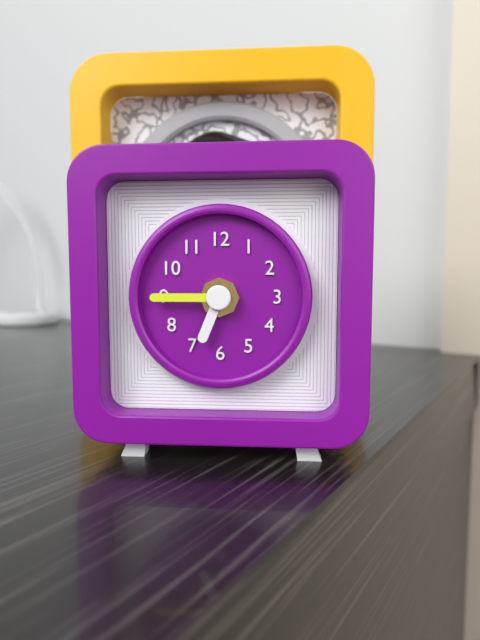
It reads h=6 m=45
